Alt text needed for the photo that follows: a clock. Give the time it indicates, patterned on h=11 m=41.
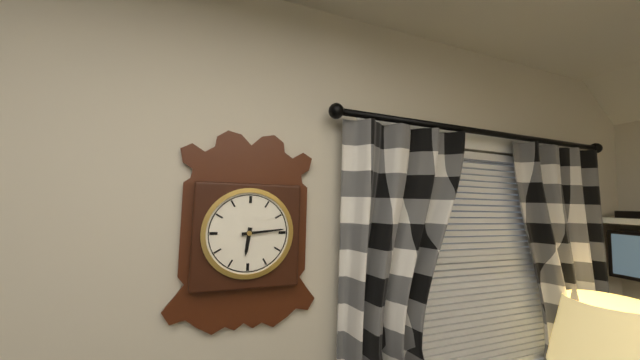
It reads h=6 m=14
